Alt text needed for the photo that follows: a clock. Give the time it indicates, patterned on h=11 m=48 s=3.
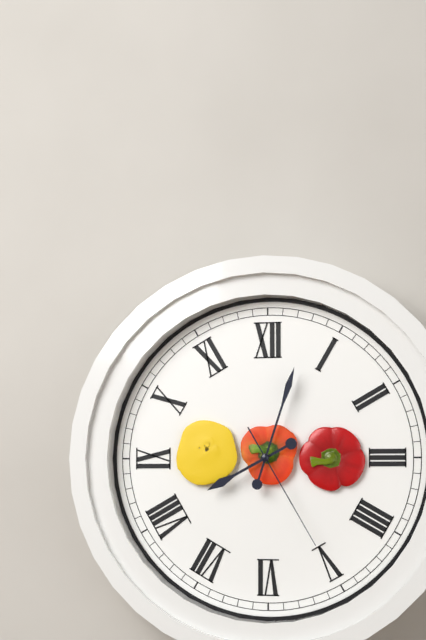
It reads h=8 m=3 s=25
